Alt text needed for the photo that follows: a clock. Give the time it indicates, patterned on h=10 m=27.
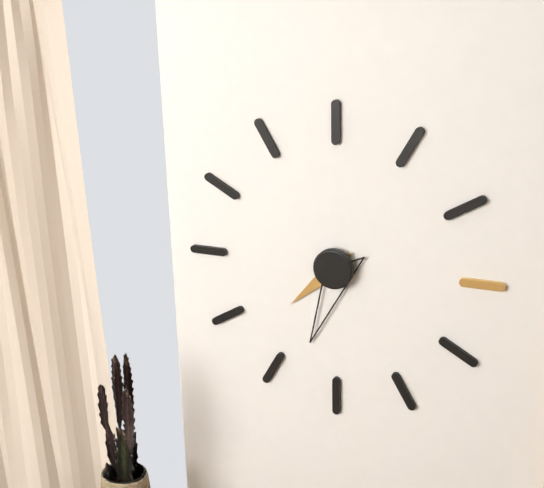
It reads h=7 m=33
